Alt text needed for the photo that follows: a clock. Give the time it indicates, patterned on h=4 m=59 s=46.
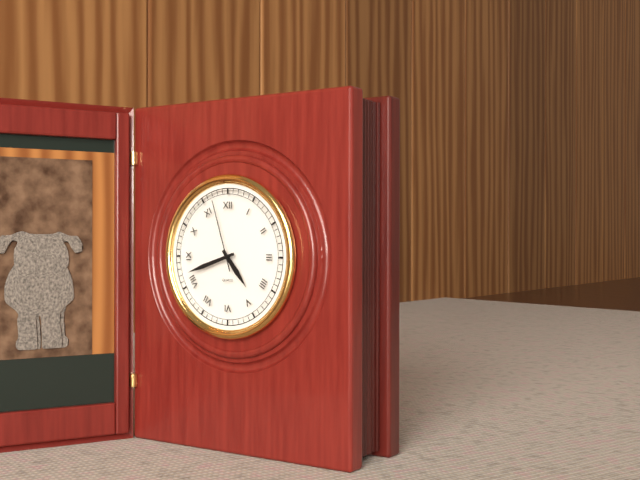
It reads h=4 m=42 s=57
